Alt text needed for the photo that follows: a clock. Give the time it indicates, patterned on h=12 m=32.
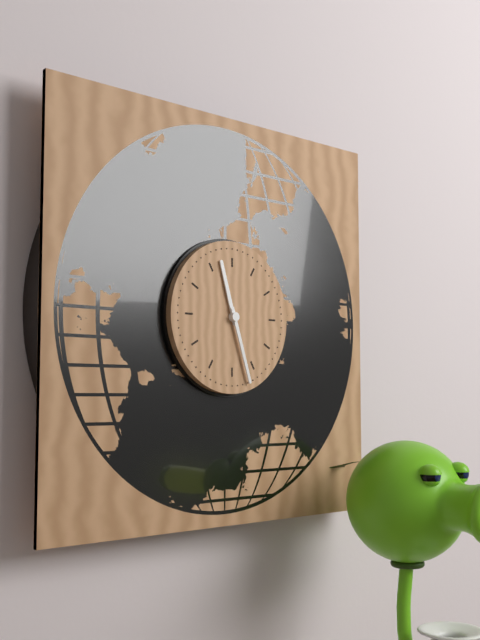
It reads h=11 m=27
